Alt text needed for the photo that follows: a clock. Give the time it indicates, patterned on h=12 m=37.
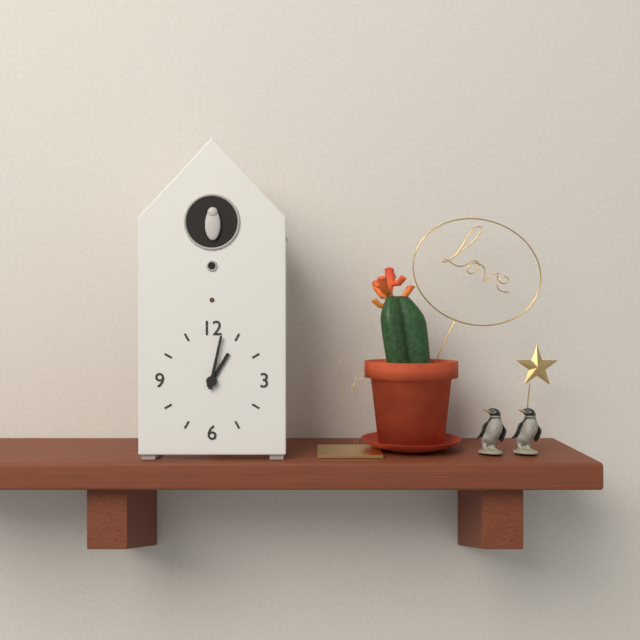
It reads h=1 m=2
